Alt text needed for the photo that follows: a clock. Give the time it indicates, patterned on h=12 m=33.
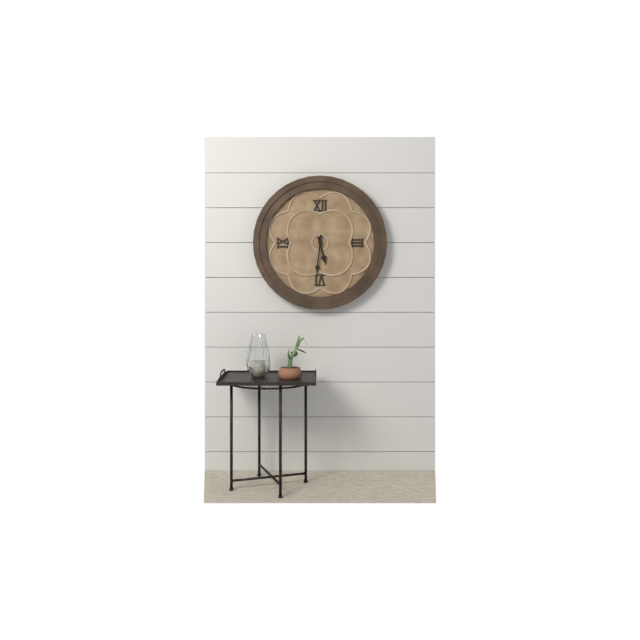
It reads h=5 m=31
